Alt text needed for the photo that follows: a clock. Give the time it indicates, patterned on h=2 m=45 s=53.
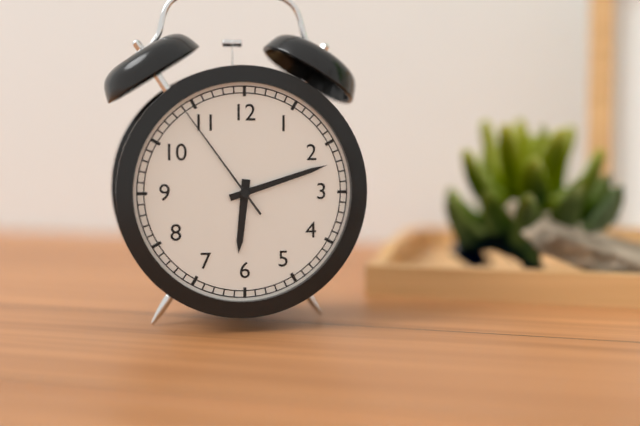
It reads h=6 m=12 s=54
